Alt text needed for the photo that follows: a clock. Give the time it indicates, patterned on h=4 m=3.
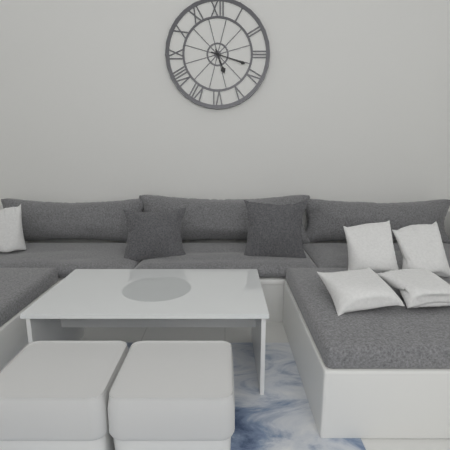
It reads h=5 m=18
